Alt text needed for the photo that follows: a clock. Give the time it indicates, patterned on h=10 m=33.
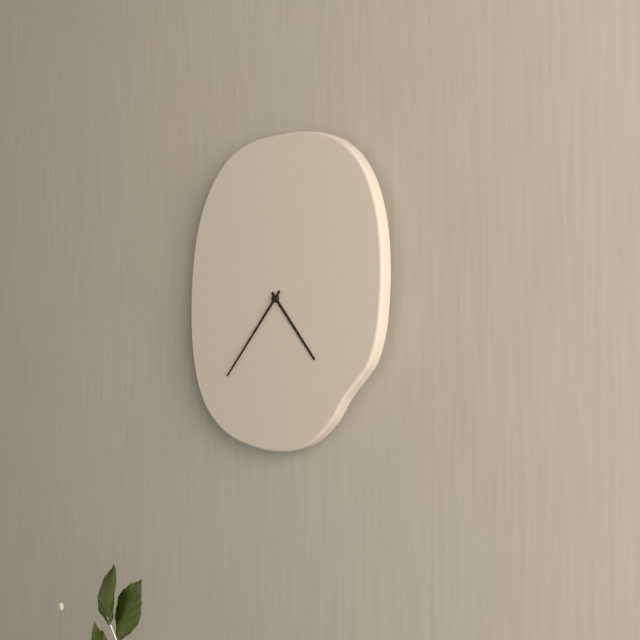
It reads h=4 m=37
